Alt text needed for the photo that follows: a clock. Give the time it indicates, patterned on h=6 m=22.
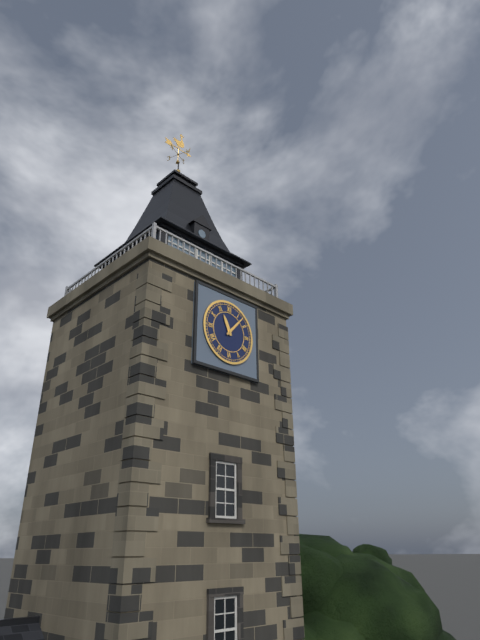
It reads h=11 m=7
